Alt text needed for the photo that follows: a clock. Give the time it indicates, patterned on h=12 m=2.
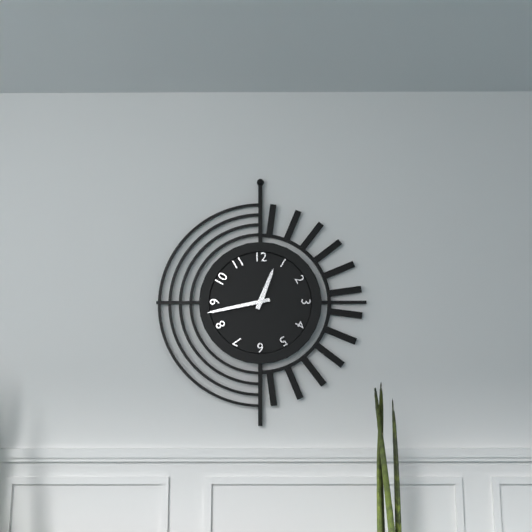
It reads h=12 m=43
